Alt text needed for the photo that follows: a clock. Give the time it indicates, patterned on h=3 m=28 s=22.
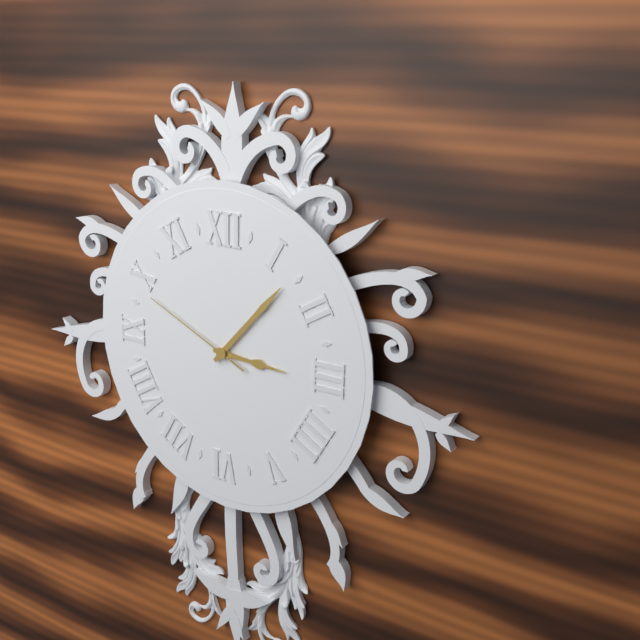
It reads h=3 m=7 s=49
